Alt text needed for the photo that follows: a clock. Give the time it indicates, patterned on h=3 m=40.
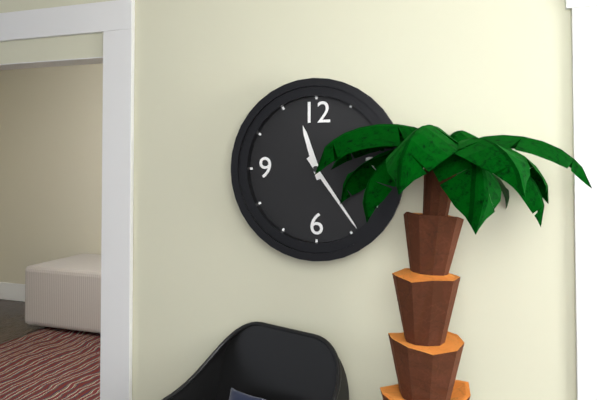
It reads h=11 m=24
